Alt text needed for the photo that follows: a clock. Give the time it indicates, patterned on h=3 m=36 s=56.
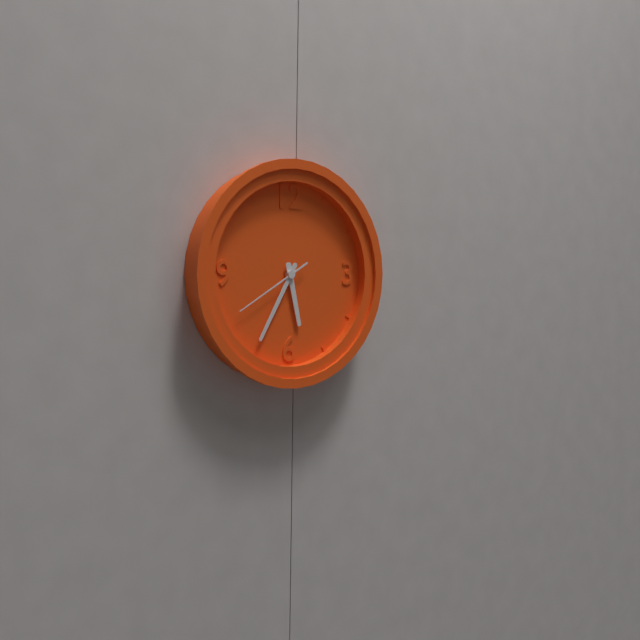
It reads h=5 m=35 s=40
